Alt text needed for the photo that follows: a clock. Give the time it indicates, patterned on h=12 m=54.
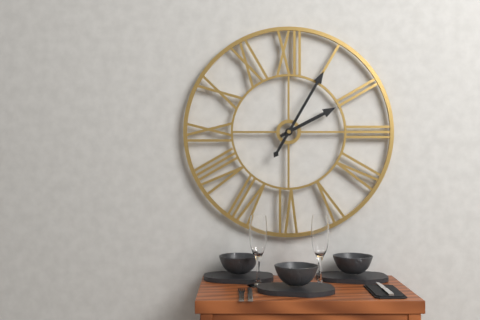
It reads h=2 m=5
